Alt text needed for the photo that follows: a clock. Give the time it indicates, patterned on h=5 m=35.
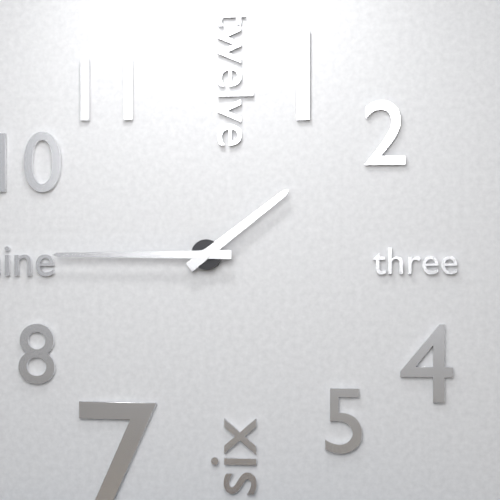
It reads h=1 m=45
